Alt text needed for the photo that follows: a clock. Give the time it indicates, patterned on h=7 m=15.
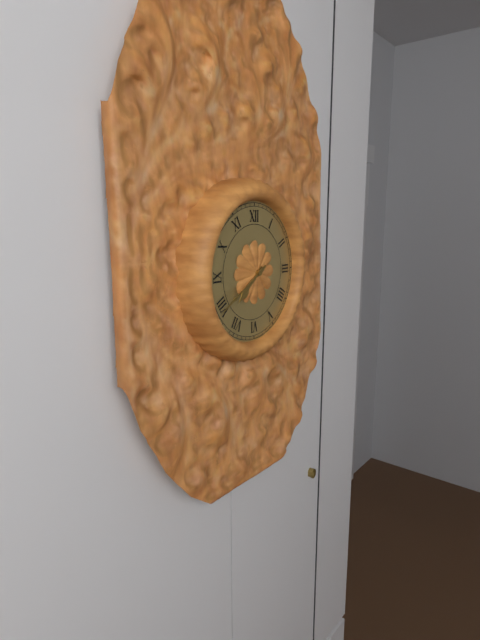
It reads h=7 m=40
